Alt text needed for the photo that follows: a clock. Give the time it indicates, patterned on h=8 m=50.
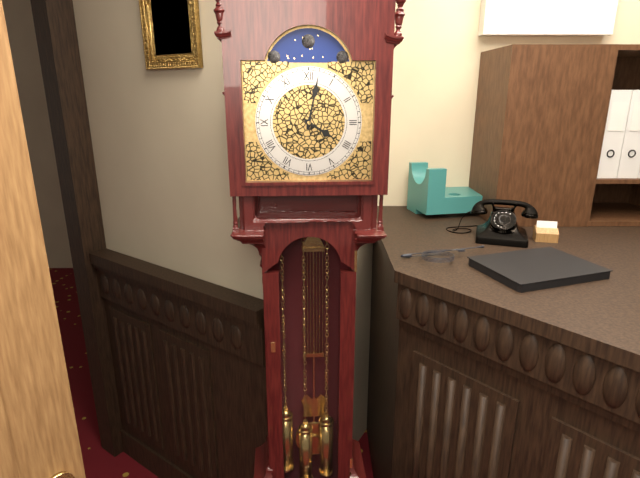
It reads h=4 m=2
